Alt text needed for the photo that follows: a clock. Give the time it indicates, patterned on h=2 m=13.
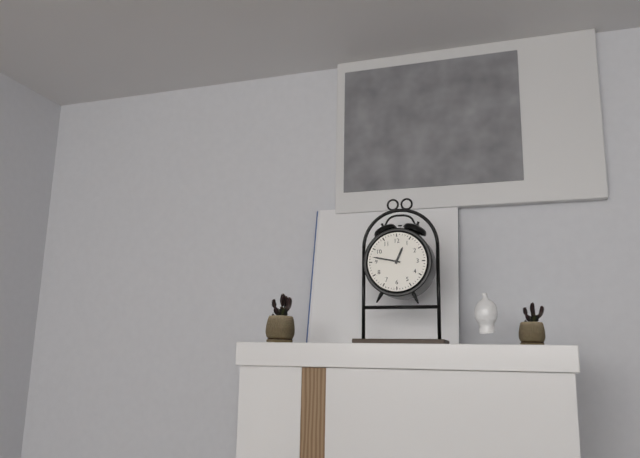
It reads h=12 m=47
